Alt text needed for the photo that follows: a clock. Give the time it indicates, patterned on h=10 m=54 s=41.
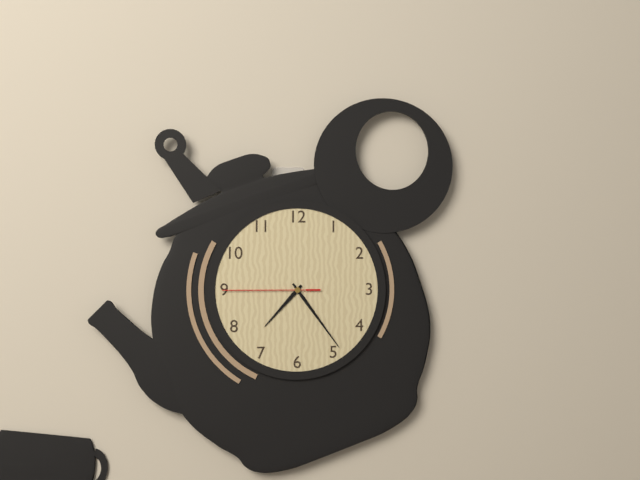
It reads h=7 m=24 s=45
